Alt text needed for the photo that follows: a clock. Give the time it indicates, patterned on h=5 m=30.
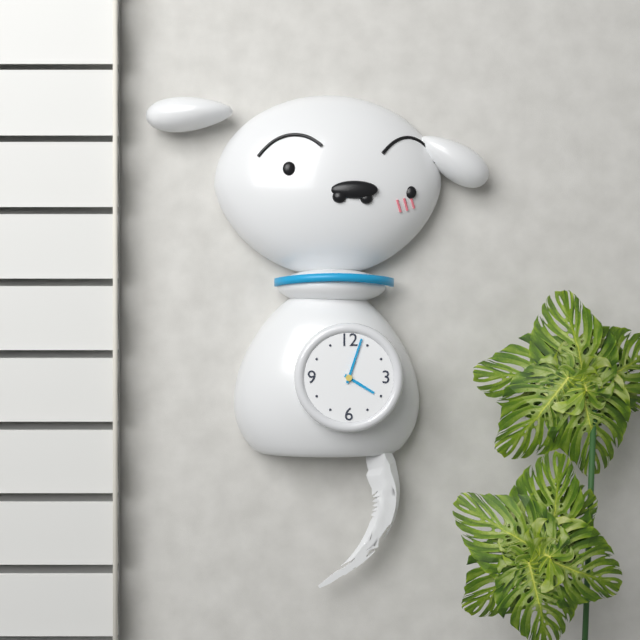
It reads h=4 m=3
